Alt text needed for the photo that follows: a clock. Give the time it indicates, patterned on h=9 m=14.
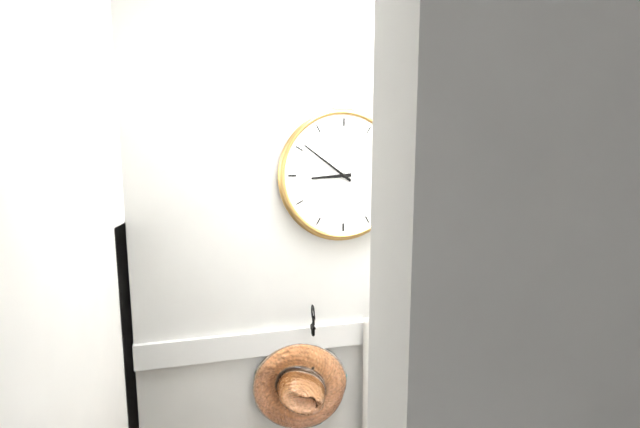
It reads h=8 m=51
